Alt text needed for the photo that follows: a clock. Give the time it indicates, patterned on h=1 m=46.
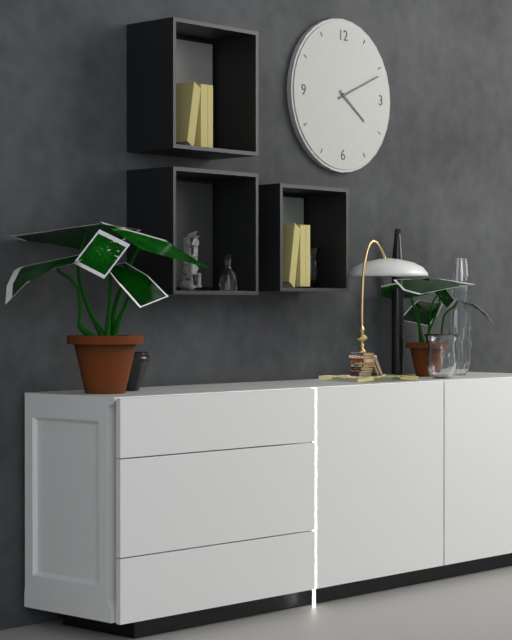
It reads h=4 m=11
